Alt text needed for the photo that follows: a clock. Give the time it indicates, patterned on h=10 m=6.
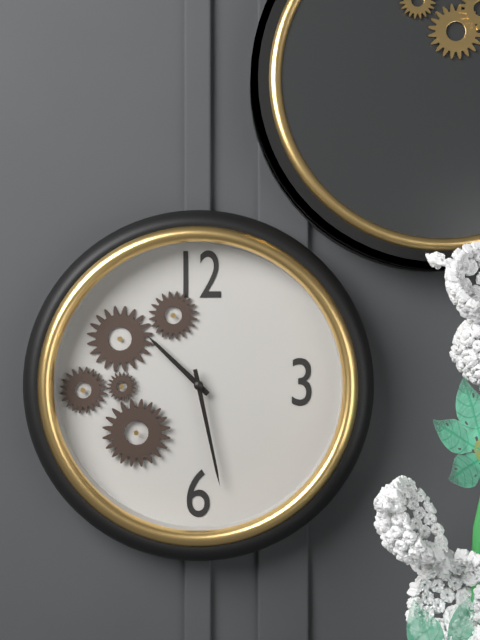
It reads h=10 m=28
